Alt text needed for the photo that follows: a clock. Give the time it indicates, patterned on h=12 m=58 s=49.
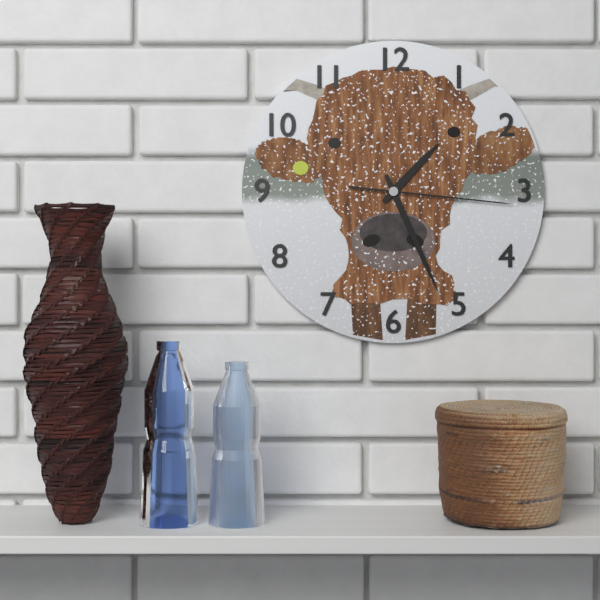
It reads h=1 m=26 s=16
